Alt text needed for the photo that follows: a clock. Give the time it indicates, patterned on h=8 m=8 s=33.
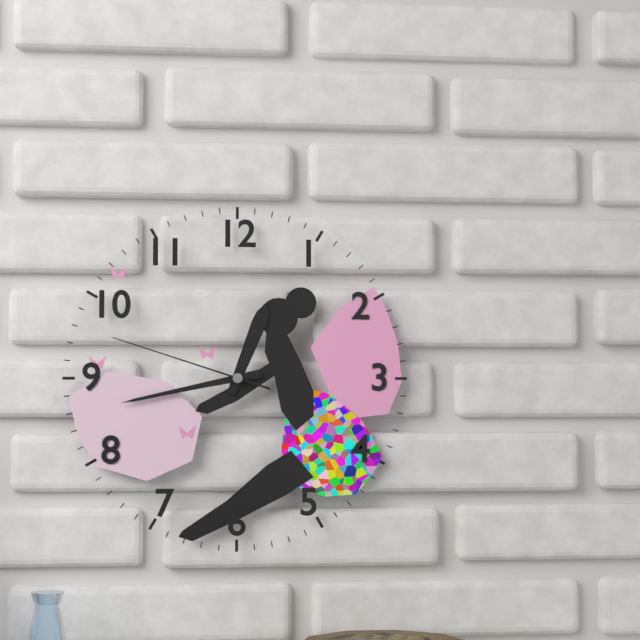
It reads h=12 m=43 s=48
